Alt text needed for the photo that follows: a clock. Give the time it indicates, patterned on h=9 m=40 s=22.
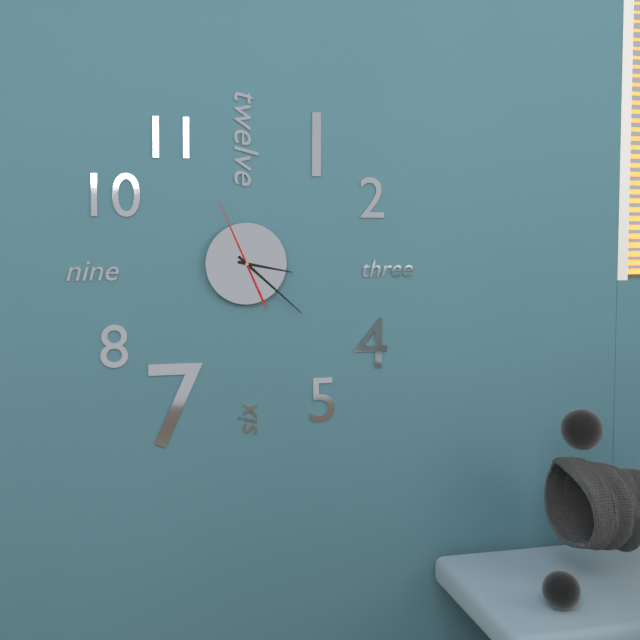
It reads h=3 m=22 s=56
